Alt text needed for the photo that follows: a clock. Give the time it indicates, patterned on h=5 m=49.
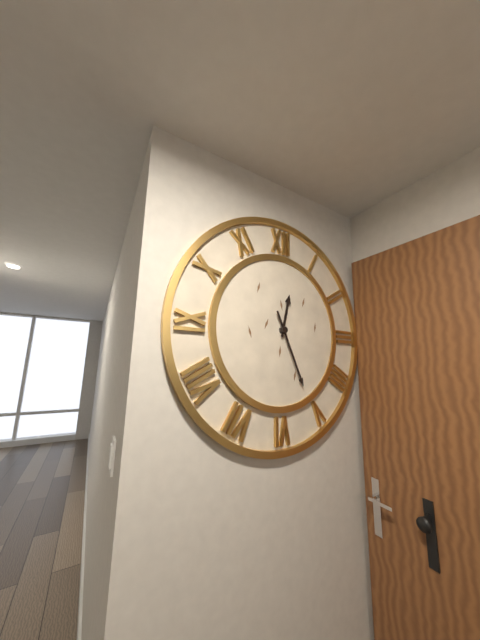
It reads h=12 m=26
